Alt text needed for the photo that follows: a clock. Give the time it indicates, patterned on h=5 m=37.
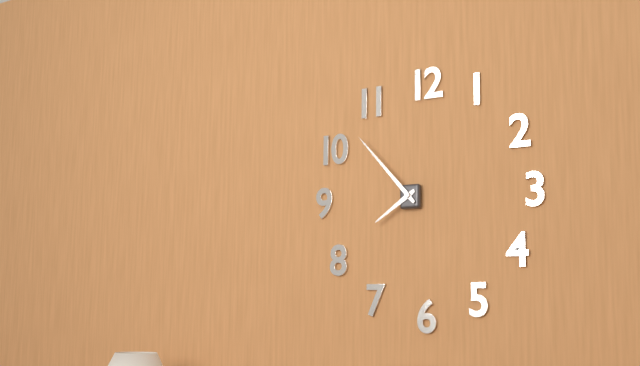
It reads h=7 m=53
